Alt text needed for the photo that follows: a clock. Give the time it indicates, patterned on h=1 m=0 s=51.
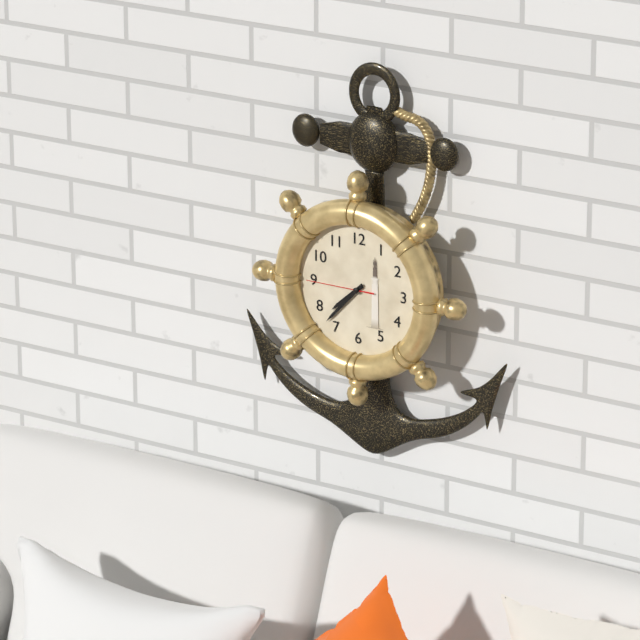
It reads h=7 m=37 s=45
